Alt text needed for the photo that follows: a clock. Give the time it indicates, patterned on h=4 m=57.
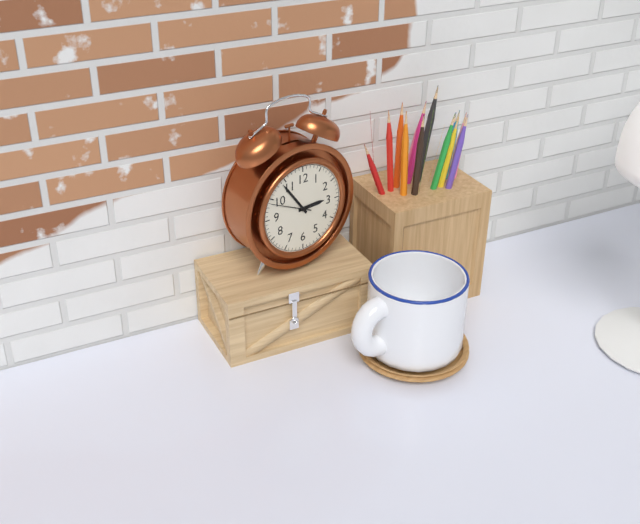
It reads h=2 m=54
